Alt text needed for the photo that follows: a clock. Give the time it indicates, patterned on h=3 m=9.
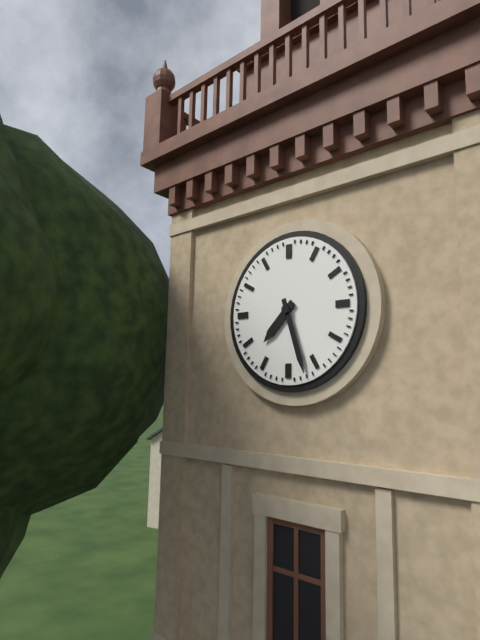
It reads h=7 m=27
